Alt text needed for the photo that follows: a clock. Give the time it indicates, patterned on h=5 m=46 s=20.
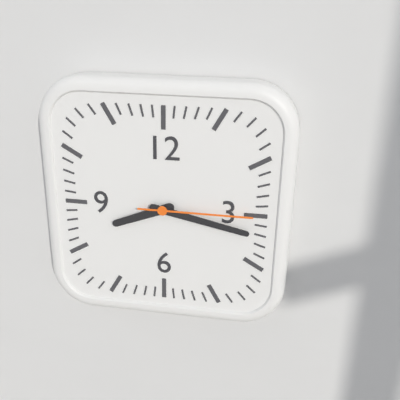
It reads h=8 m=17 s=15
